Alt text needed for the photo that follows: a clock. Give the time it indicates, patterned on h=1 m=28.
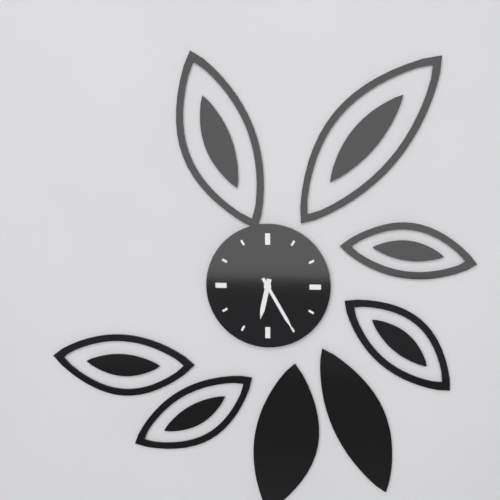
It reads h=6 m=25
